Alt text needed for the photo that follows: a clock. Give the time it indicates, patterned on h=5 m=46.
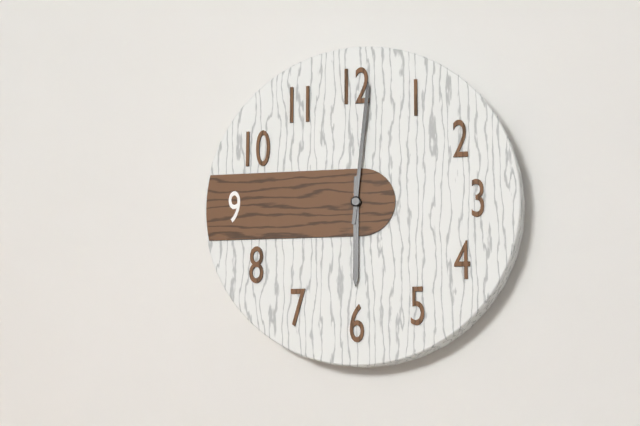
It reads h=6 m=1
